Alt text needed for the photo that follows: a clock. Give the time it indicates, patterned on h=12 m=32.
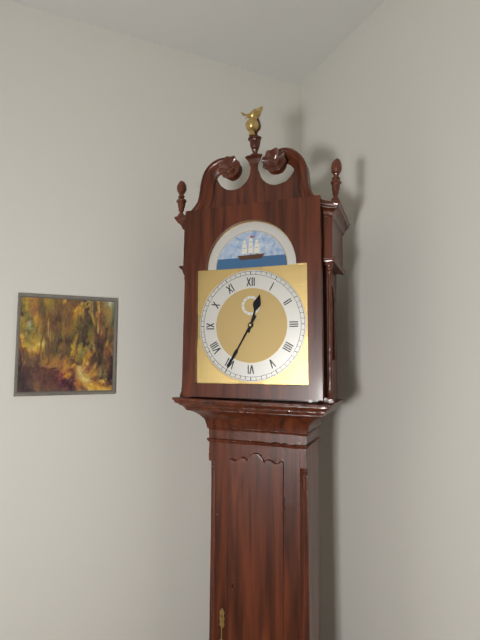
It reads h=12 m=35
